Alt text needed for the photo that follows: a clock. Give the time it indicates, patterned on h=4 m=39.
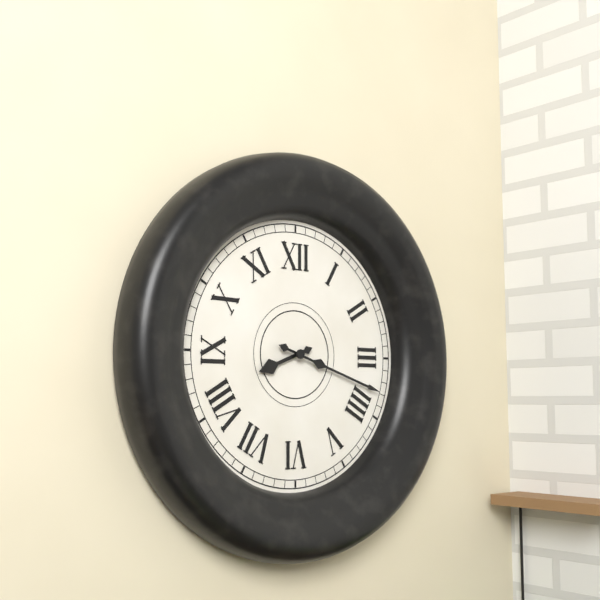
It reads h=8 m=18
